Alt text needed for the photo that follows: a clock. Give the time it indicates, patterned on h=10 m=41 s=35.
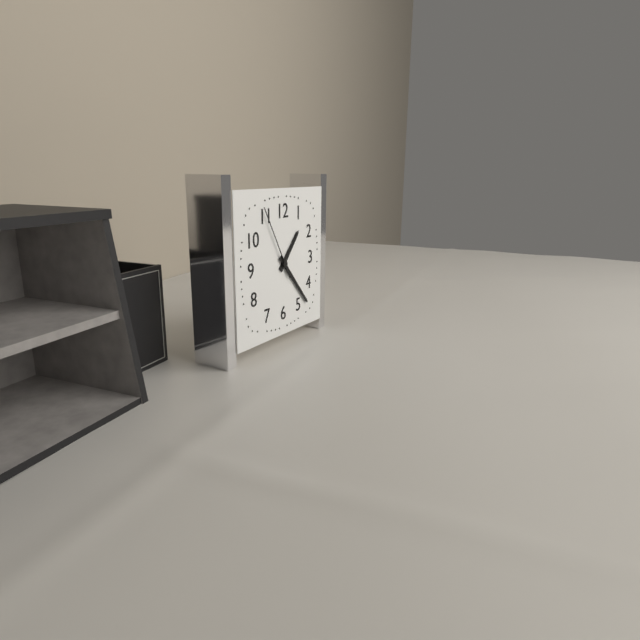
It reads h=1 m=23 s=55
